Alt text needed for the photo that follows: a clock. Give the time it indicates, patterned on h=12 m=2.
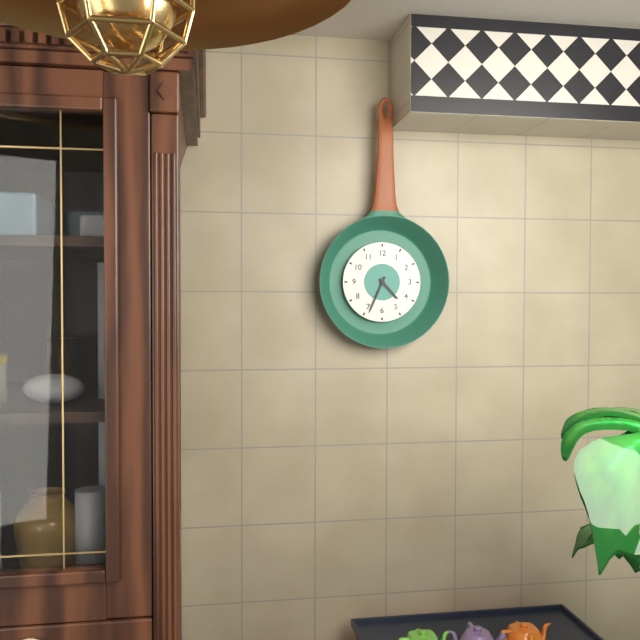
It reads h=4 m=34
